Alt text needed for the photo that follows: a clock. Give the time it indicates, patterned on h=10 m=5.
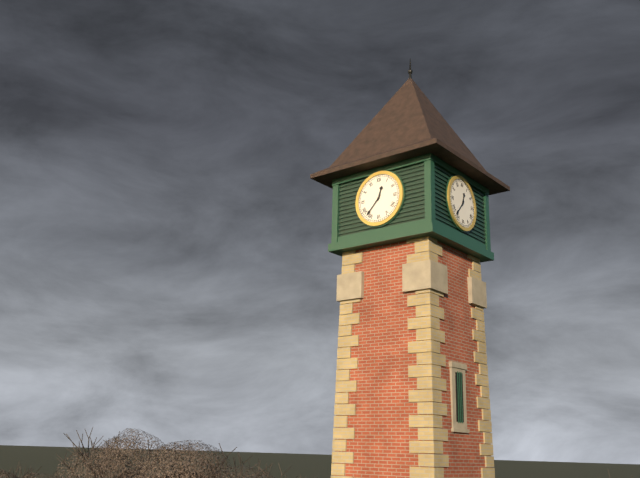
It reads h=12 m=37
